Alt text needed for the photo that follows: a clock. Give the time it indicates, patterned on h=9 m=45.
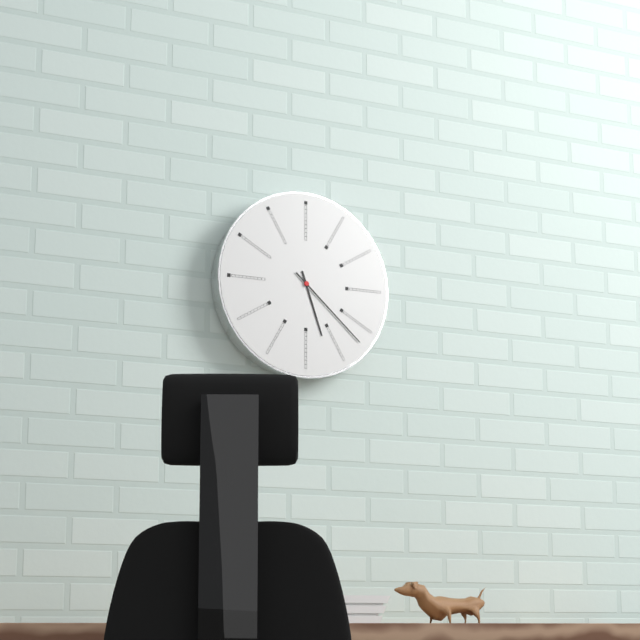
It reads h=5 m=22
